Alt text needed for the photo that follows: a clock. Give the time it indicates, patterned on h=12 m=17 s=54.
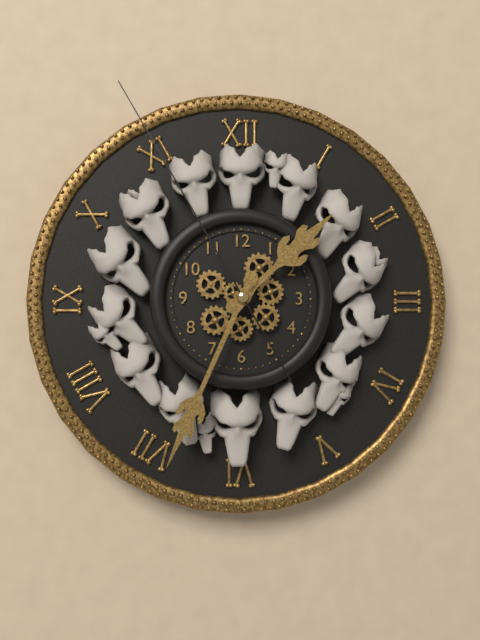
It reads h=1 m=34 s=55
